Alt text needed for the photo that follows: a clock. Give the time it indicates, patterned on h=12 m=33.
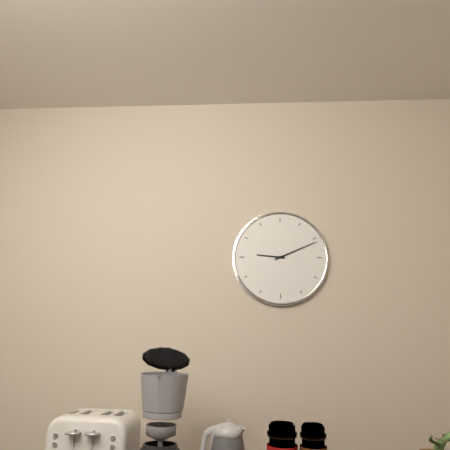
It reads h=9 m=11
